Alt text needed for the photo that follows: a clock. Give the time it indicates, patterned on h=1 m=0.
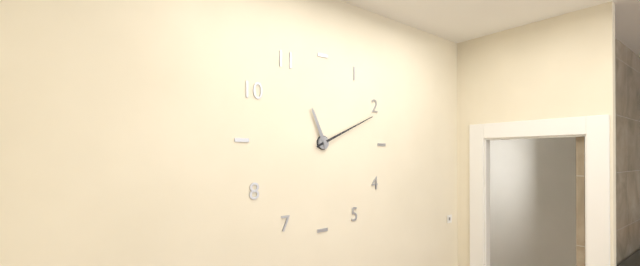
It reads h=11 m=11
